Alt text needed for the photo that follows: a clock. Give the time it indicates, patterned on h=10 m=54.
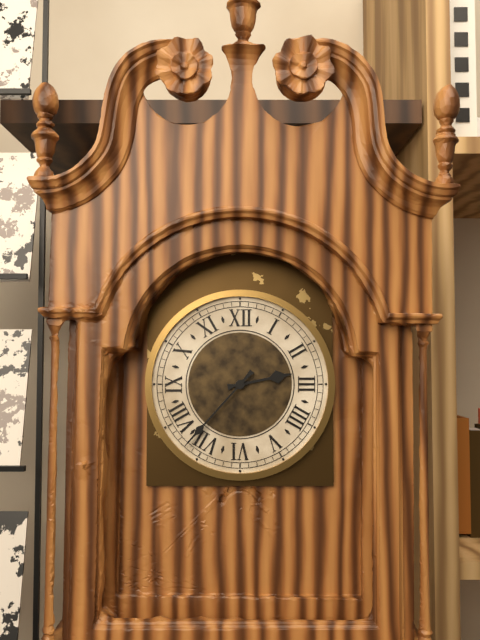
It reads h=2 m=37
